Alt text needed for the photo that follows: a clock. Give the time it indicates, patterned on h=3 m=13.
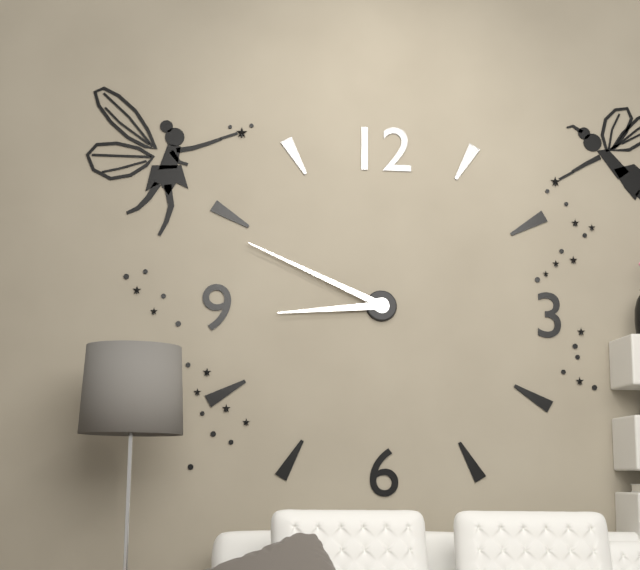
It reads h=8 m=49
